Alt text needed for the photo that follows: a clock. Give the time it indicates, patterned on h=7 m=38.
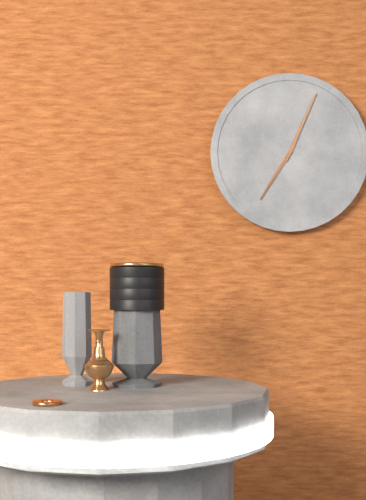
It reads h=7 m=4
